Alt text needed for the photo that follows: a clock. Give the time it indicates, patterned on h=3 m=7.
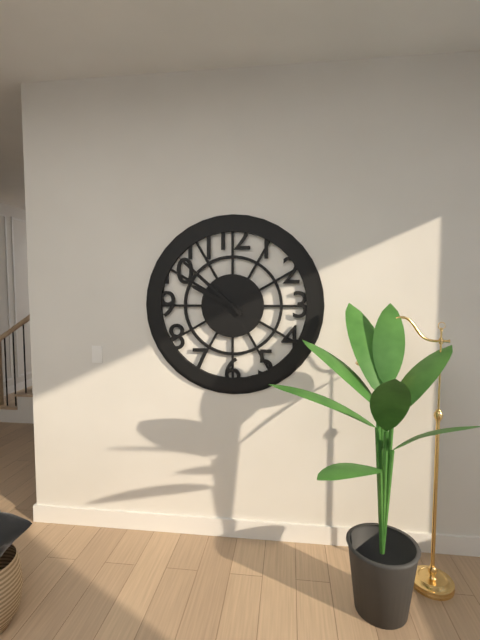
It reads h=9 m=52
